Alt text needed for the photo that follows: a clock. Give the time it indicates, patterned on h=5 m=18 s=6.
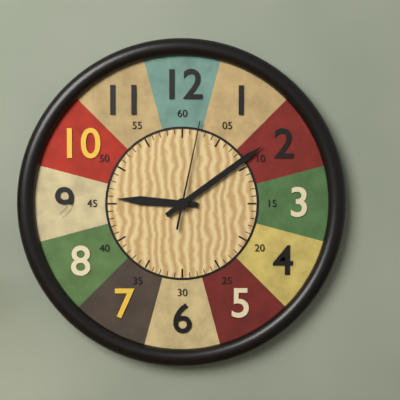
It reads h=9 m=9 s=2
